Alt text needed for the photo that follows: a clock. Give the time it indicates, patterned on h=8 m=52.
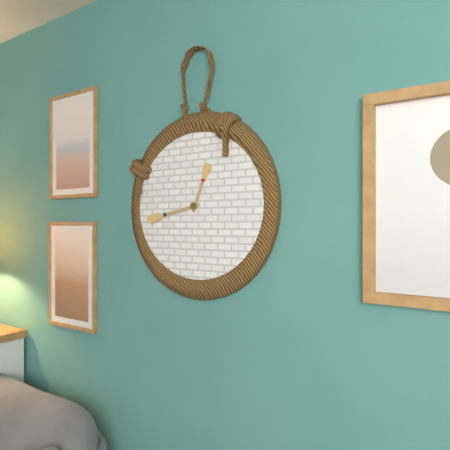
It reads h=12 m=43
